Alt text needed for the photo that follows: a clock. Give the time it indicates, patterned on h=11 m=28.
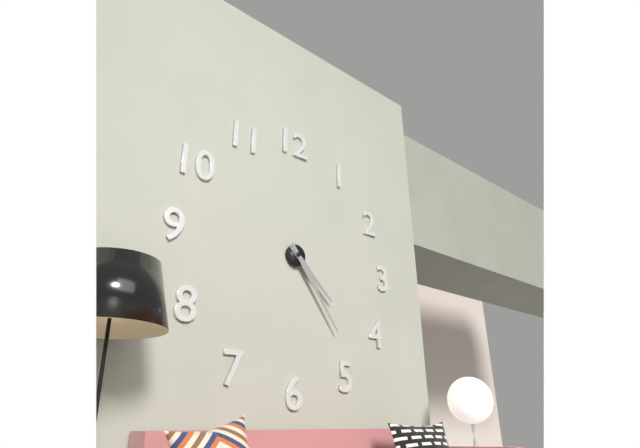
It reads h=4 m=24
